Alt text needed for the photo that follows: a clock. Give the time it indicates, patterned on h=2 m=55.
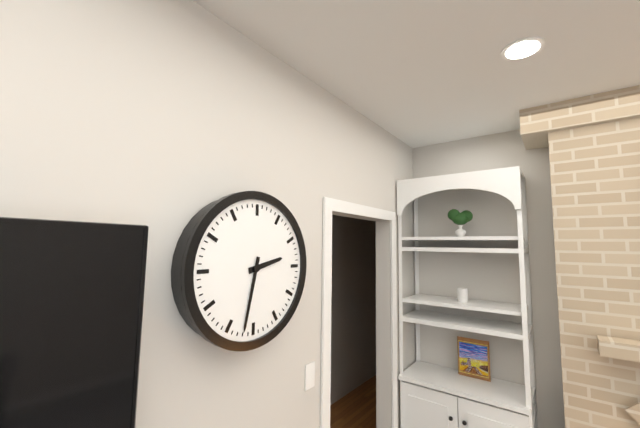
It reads h=2 m=32
